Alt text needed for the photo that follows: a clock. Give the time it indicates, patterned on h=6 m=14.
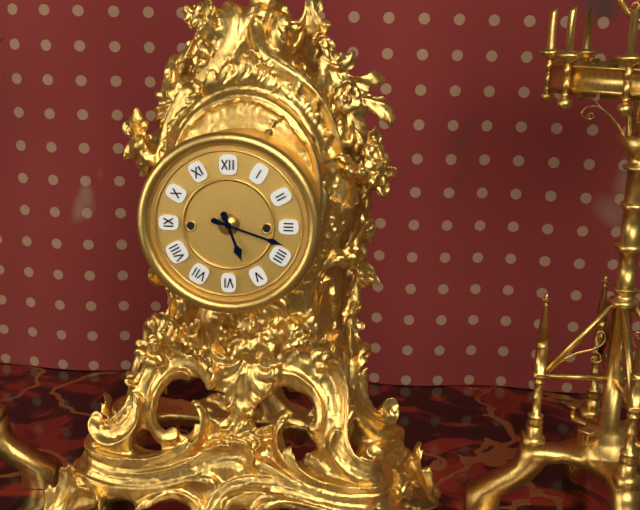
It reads h=5 m=18
